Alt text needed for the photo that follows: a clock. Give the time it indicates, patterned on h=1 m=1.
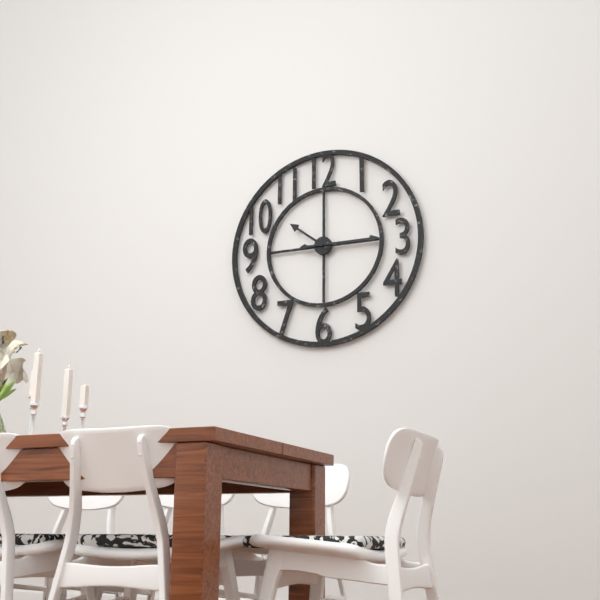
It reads h=10 m=15
